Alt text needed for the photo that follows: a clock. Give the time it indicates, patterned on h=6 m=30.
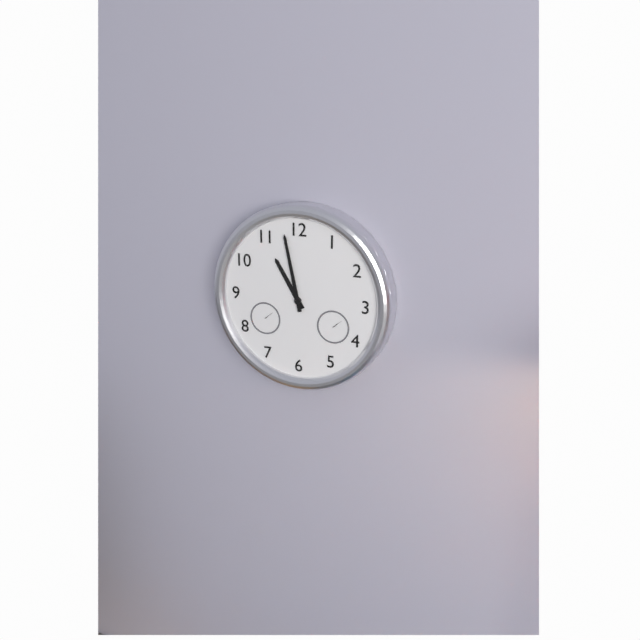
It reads h=10 m=58
